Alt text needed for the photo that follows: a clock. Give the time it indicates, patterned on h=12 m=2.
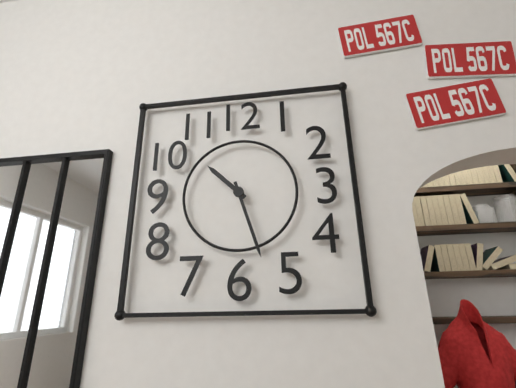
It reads h=10 m=27
